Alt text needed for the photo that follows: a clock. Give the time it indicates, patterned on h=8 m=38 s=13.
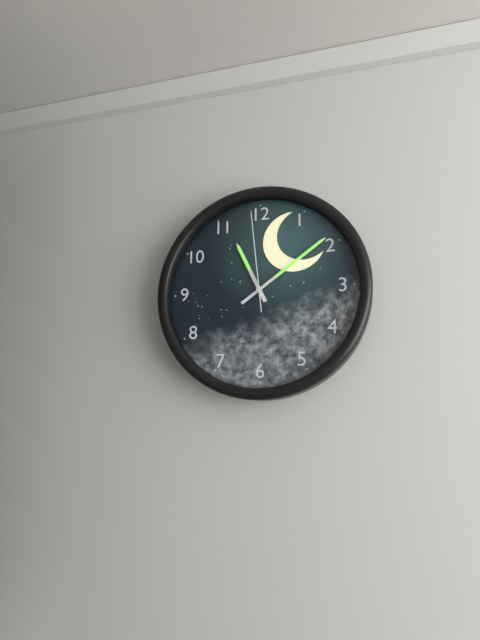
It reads h=11 m=9 s=59
